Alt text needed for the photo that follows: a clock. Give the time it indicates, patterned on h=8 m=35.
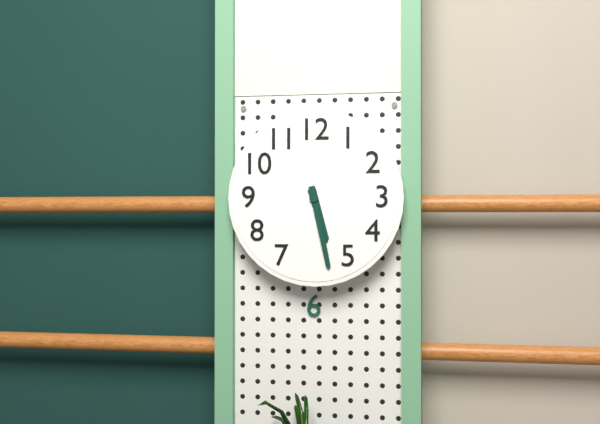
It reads h=5 m=28
